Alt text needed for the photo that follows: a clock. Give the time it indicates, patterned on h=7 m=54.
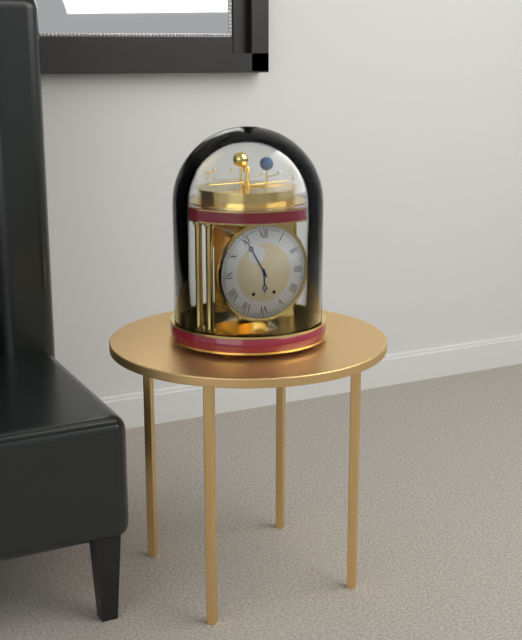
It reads h=5 m=55
